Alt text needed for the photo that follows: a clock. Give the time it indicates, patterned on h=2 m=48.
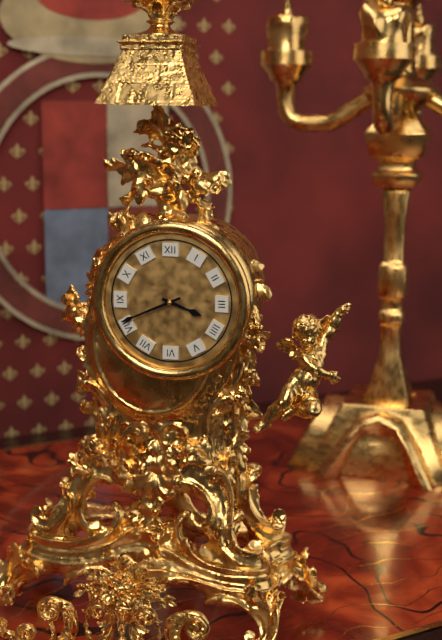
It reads h=3 m=41
